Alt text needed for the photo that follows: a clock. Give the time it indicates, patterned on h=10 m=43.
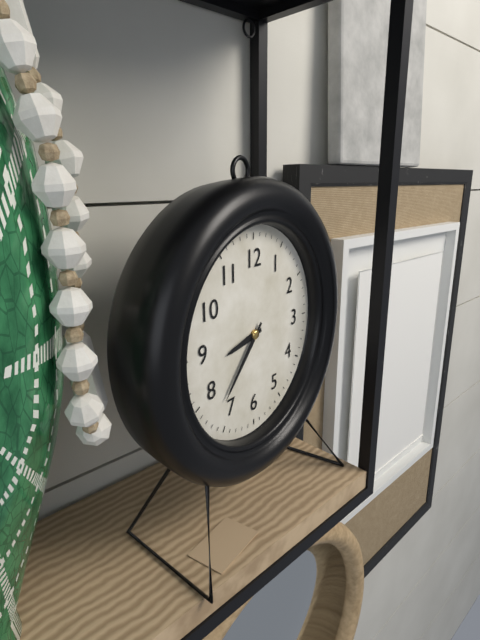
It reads h=8 m=37
